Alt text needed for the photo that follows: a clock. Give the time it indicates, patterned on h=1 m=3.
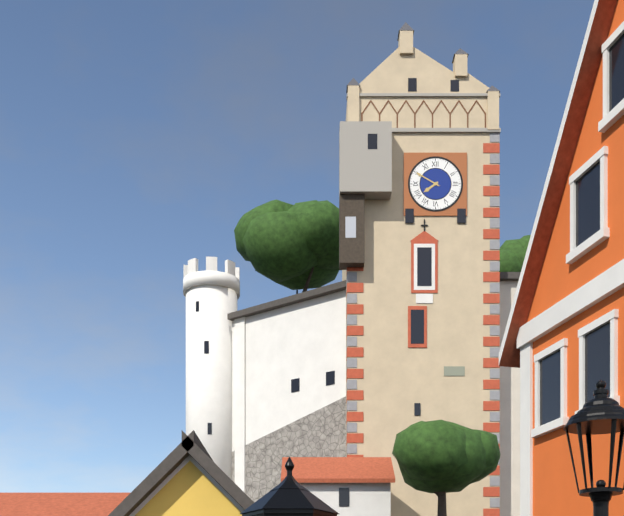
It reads h=7 m=50
